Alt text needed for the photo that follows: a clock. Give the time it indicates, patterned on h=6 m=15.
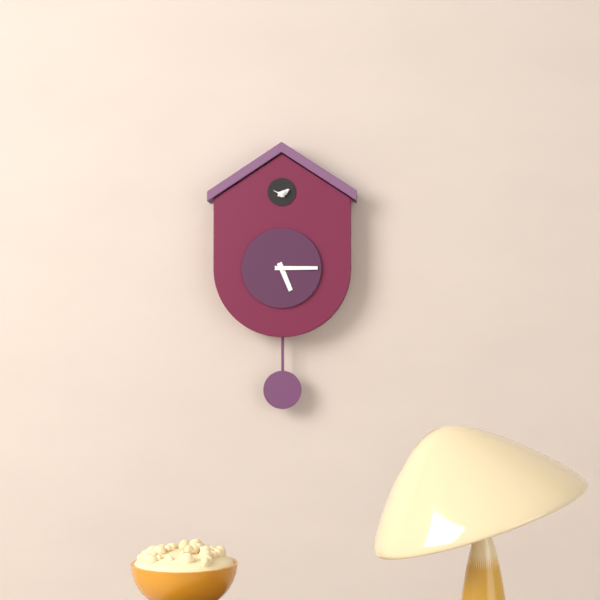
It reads h=5 m=15
